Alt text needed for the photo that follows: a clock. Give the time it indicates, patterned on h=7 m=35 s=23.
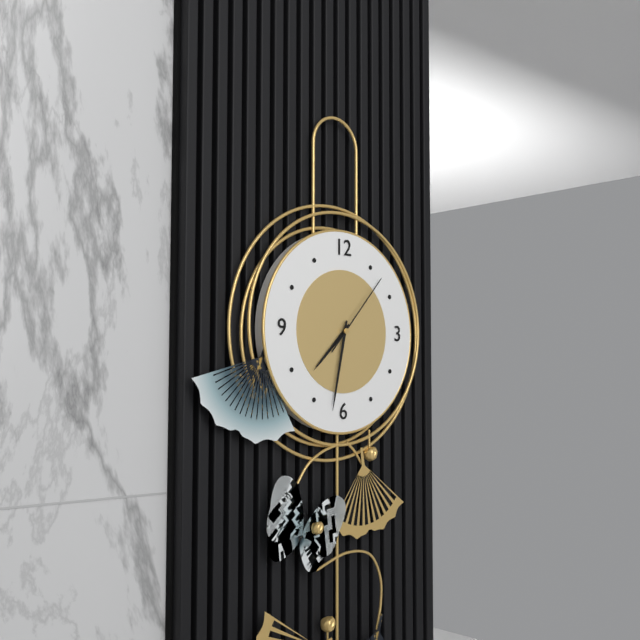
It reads h=7 m=32 s=7
